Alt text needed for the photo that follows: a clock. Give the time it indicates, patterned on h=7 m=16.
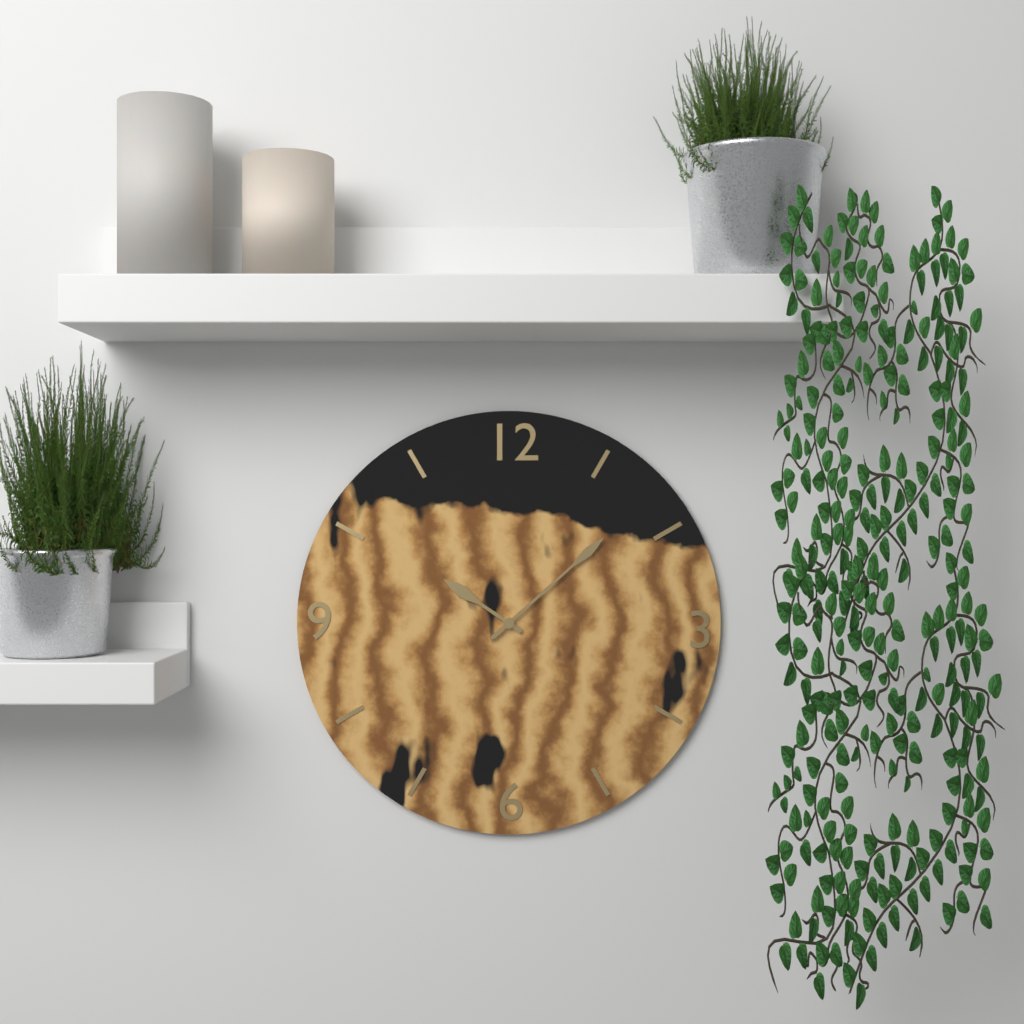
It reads h=10 m=8
